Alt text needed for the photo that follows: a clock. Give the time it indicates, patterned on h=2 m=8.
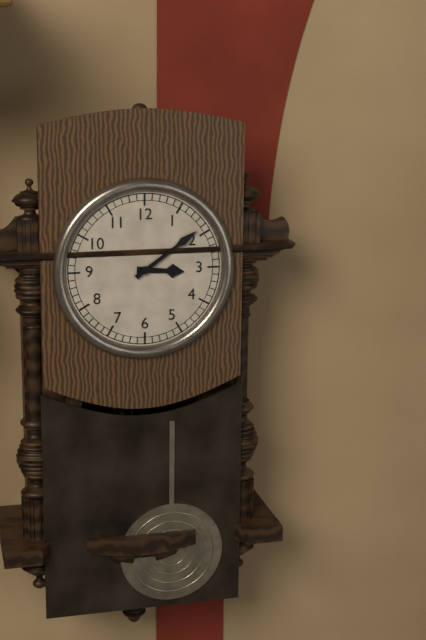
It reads h=3 m=9
